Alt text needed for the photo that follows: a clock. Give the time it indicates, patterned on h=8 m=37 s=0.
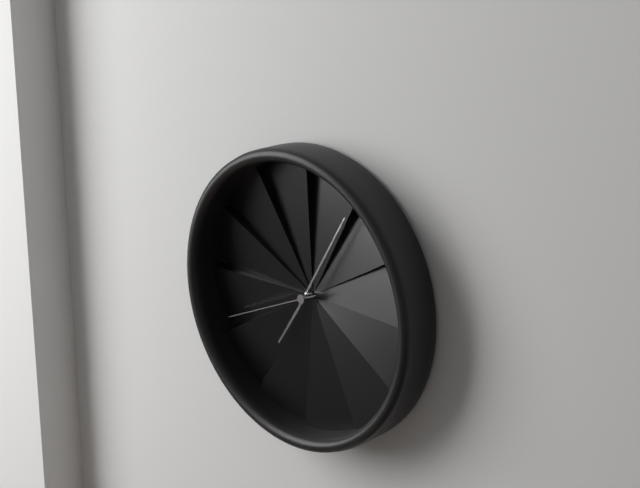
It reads h=7 m=5 s=41
